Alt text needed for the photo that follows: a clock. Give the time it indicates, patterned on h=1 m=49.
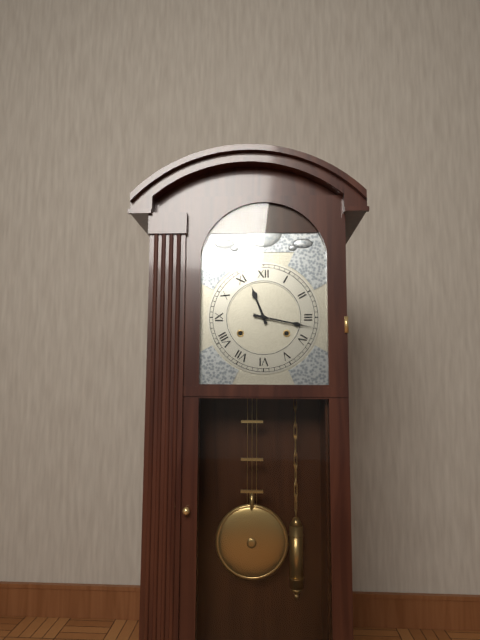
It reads h=11 m=17
